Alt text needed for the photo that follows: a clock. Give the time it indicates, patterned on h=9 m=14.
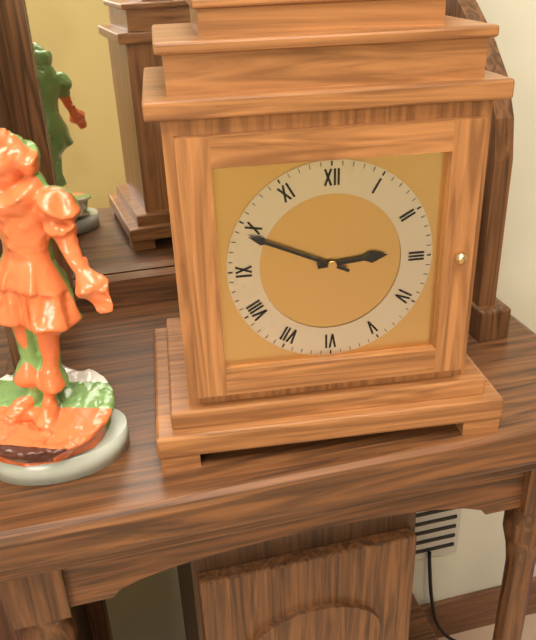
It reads h=2 m=49
